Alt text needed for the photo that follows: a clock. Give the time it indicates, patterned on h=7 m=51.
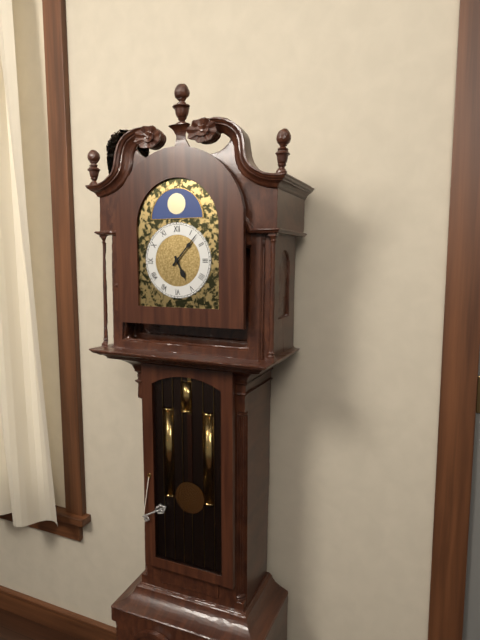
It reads h=5 m=7
